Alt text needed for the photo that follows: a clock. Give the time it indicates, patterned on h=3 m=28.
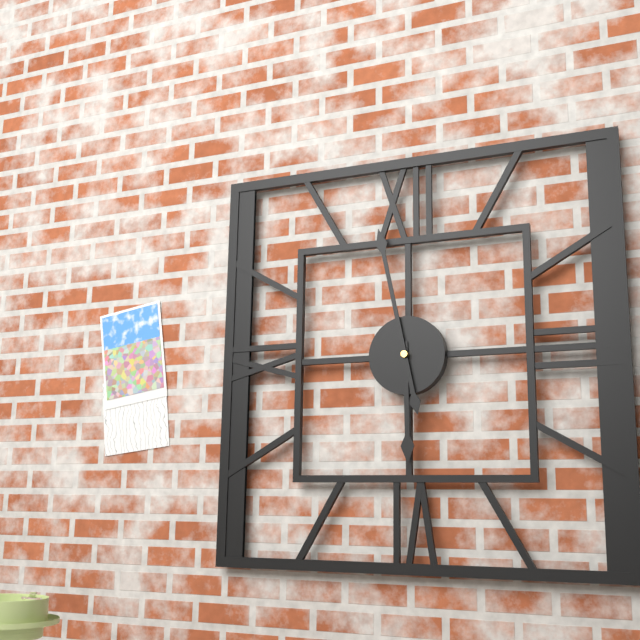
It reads h=5 m=58
